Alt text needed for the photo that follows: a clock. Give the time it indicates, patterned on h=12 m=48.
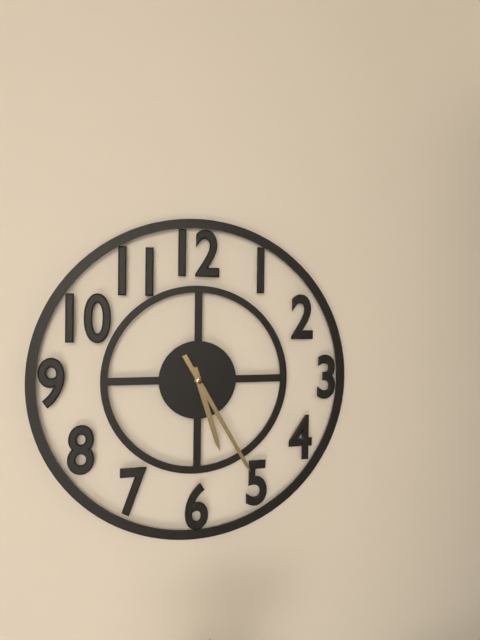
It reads h=5 m=25
